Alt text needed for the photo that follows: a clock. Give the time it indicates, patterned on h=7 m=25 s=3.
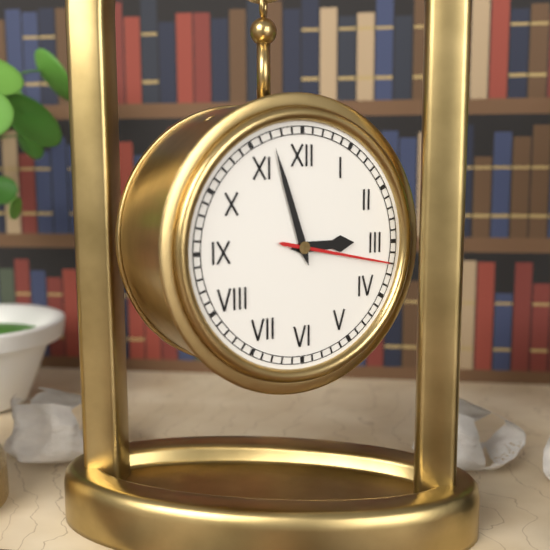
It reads h=2 m=57 s=17
